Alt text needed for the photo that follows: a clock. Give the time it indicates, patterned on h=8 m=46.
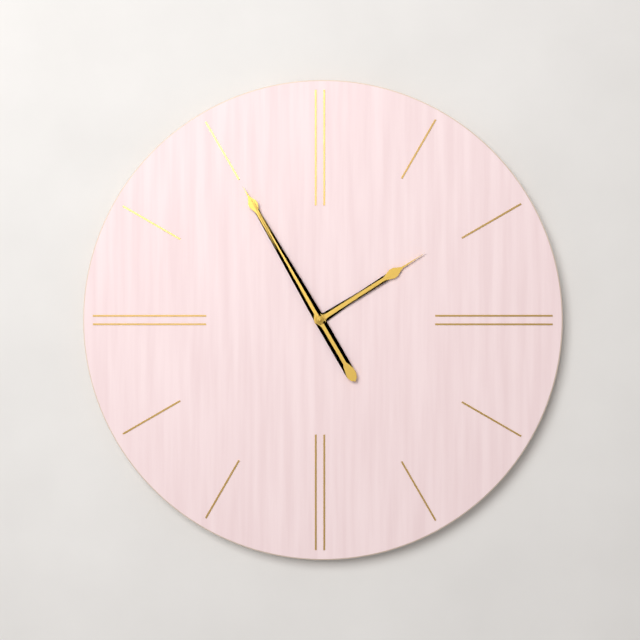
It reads h=1 m=55
